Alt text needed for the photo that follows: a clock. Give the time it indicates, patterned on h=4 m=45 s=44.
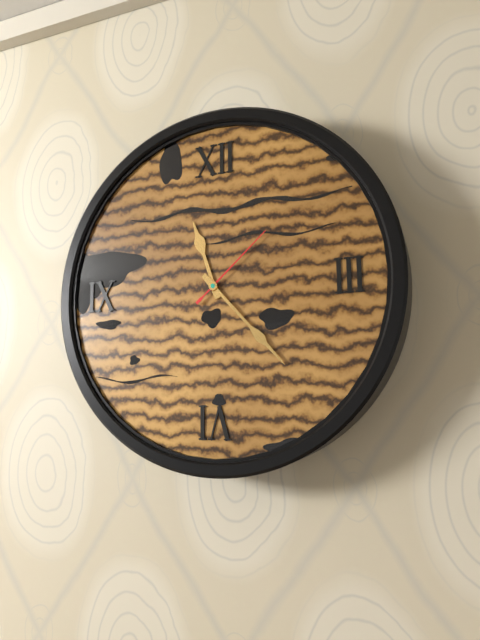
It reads h=11 m=23 s=8
